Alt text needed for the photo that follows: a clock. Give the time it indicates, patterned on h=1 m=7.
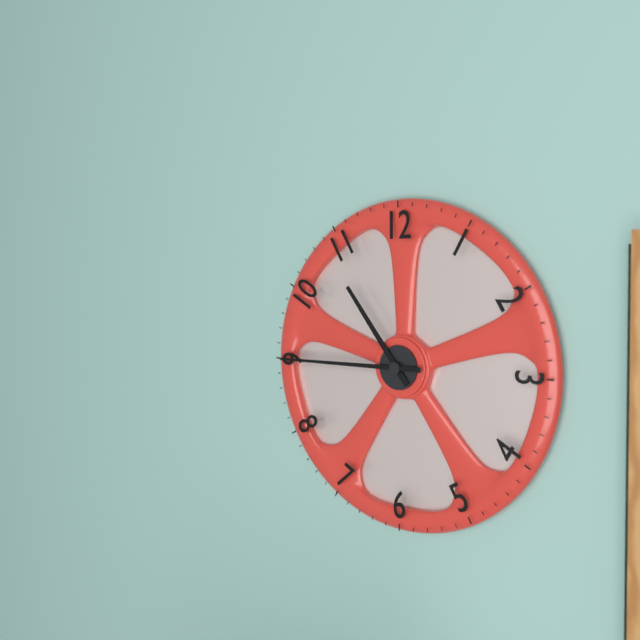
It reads h=10 m=45
